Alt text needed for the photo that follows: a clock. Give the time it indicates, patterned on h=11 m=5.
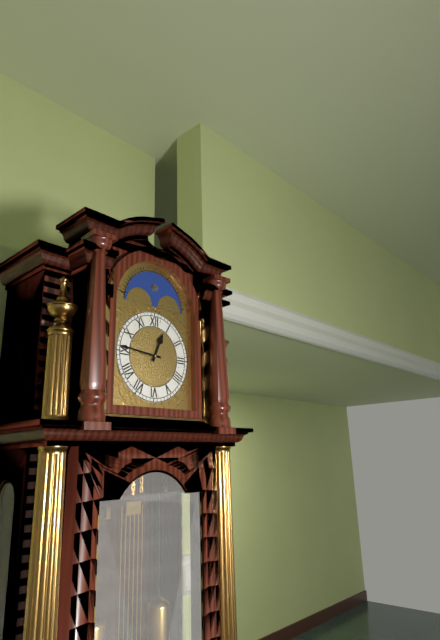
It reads h=12 m=46
